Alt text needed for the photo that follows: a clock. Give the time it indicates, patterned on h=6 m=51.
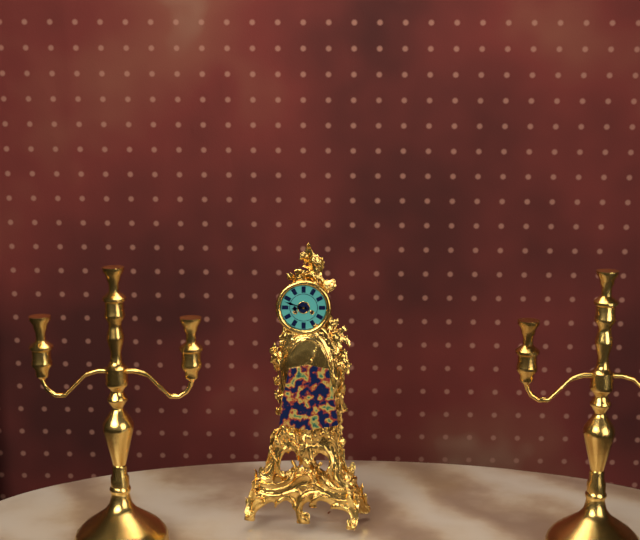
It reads h=8 m=48
